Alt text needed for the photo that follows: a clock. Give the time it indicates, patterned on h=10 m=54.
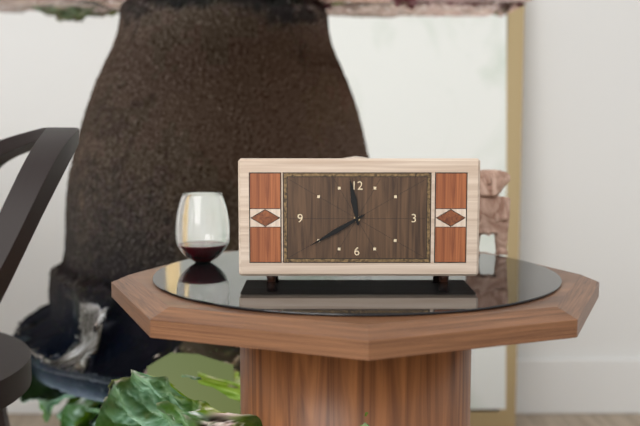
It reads h=11 m=40
